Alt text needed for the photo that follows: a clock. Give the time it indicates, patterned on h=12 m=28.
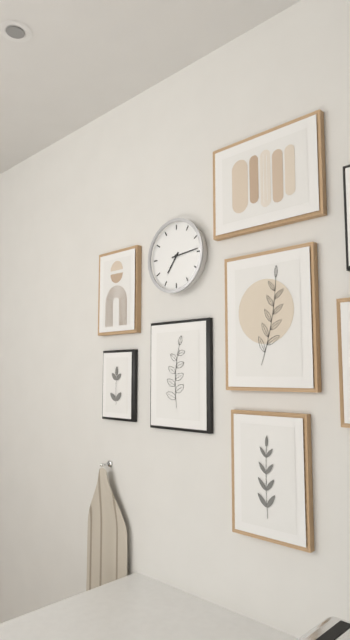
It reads h=7 m=14
